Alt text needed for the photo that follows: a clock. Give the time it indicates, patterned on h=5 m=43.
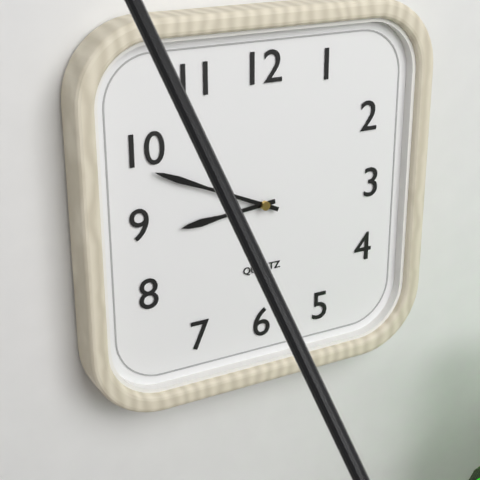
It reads h=8 m=49
